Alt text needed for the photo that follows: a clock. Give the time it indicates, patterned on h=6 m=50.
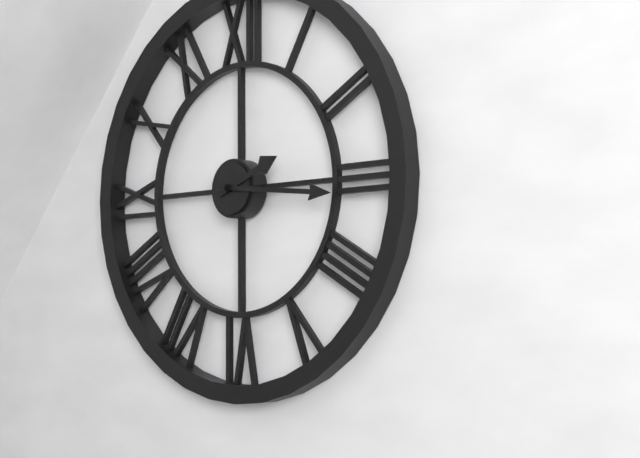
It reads h=2 m=16
